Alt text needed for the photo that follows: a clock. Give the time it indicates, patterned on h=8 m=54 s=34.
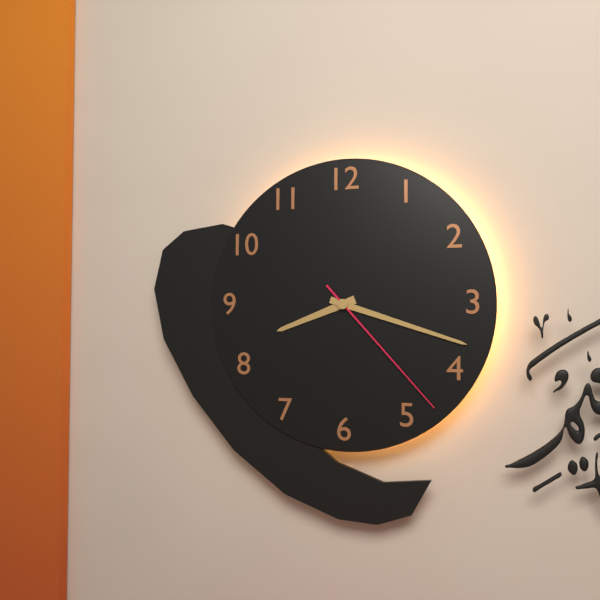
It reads h=8 m=18 s=23
